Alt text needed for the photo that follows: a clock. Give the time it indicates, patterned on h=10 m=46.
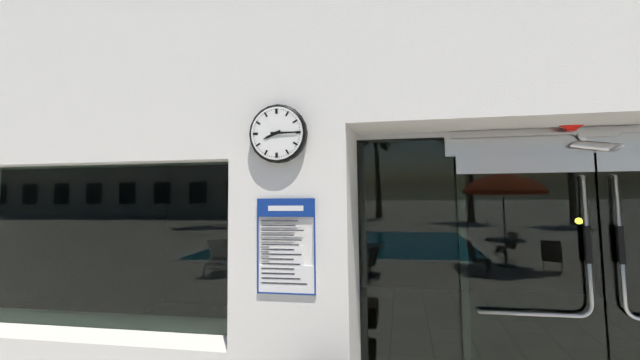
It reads h=8 m=15
